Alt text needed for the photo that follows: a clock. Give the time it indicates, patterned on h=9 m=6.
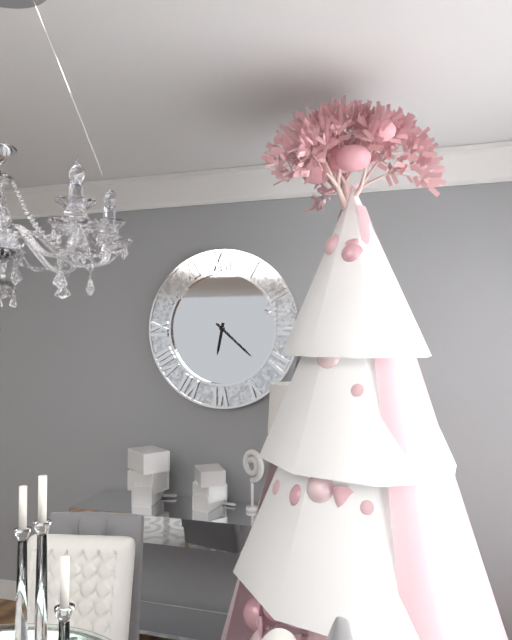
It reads h=6 m=22
